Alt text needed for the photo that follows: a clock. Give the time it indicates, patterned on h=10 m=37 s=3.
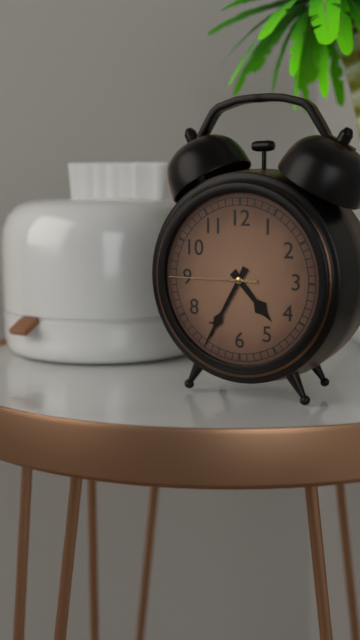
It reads h=4 m=35 s=45
